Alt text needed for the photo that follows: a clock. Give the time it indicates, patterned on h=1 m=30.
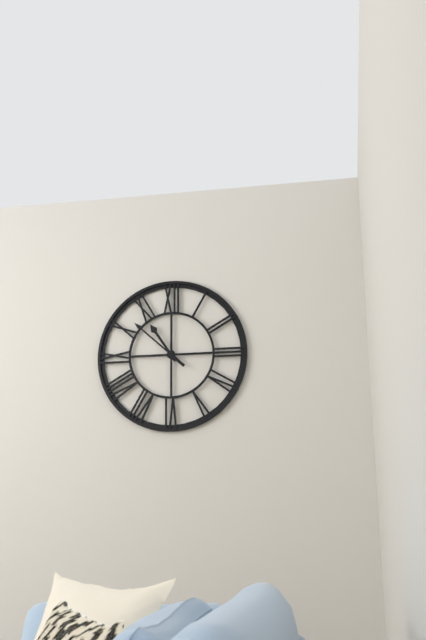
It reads h=10 m=52
